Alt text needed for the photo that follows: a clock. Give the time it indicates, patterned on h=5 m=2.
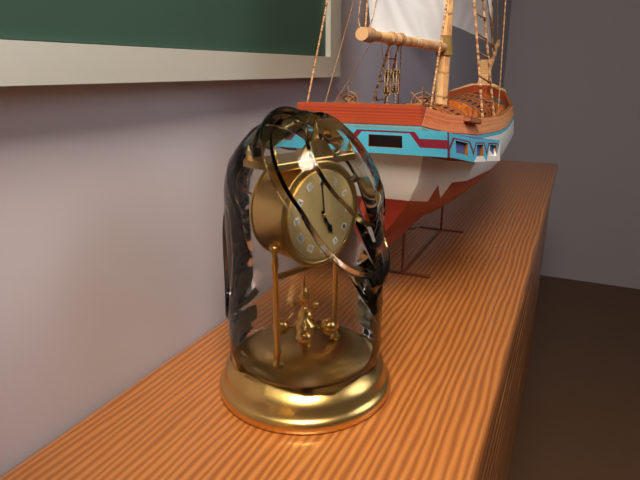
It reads h=4 m=59
